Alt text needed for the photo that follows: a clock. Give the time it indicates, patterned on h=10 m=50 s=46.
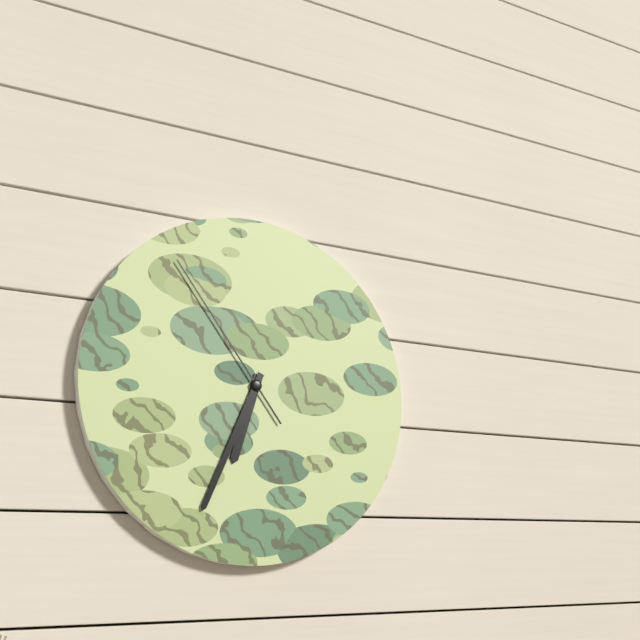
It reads h=6 m=34 s=54
